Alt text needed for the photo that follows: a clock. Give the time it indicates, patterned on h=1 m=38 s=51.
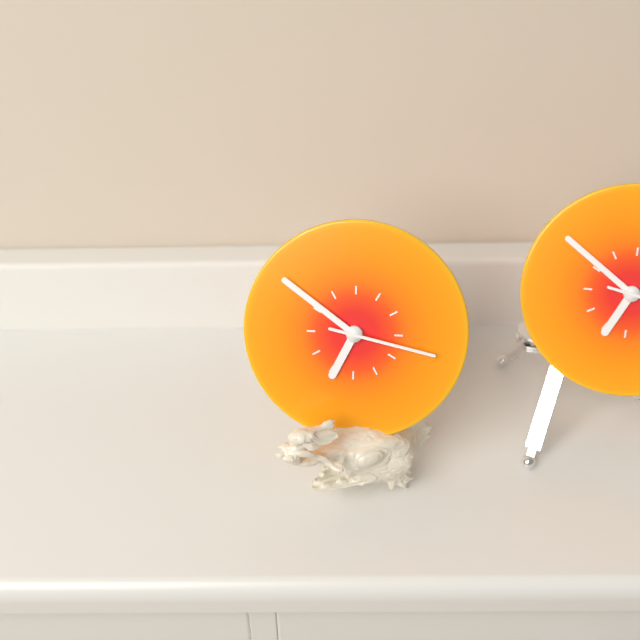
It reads h=6 m=51 s=17
